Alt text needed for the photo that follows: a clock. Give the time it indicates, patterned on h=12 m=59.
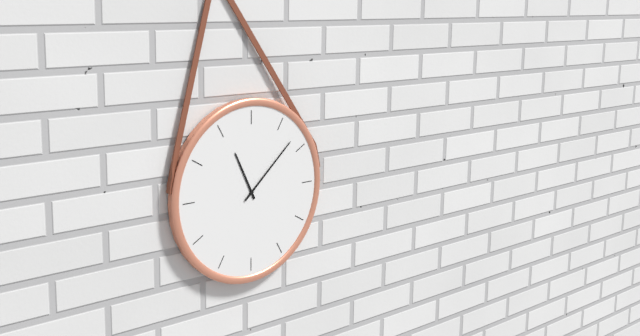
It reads h=11 m=8
